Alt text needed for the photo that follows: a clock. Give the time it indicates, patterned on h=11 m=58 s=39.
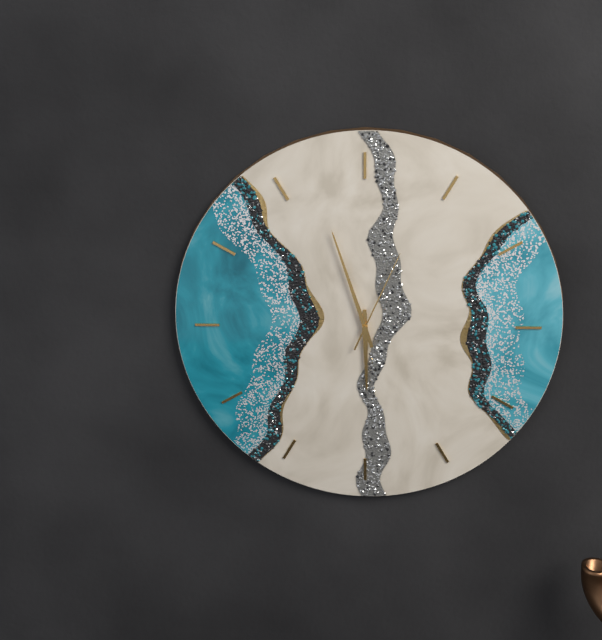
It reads h=5 m=57 s=4
